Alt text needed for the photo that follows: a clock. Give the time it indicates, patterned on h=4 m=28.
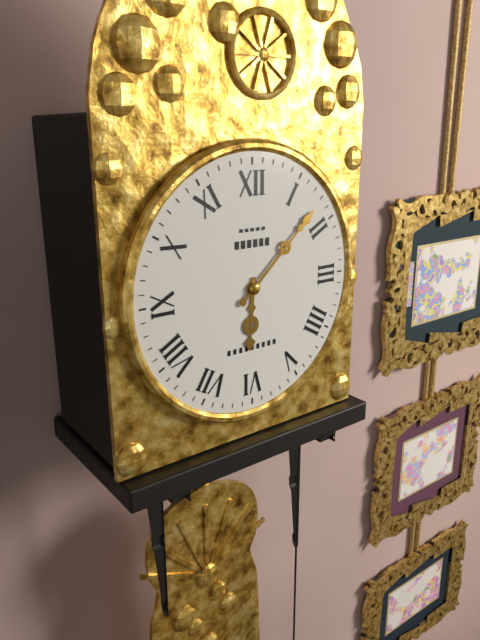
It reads h=6 m=8
